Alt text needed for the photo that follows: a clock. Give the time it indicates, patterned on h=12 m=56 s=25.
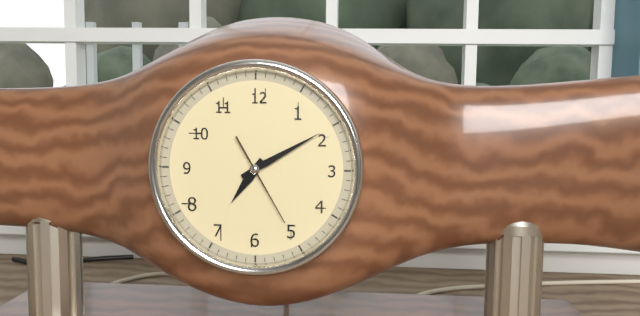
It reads h=7 m=10 s=25
